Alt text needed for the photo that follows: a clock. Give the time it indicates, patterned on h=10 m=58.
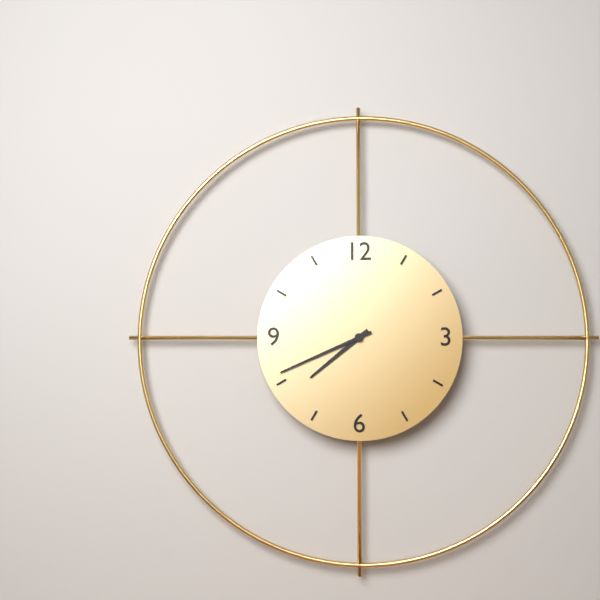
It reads h=7 m=41
